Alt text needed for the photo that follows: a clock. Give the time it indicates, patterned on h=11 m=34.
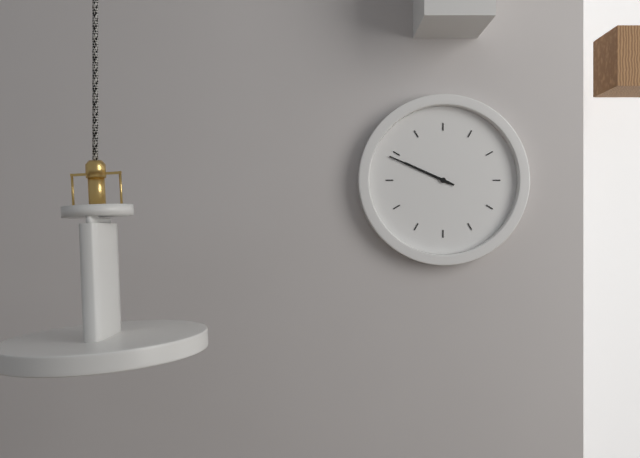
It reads h=9 m=49
